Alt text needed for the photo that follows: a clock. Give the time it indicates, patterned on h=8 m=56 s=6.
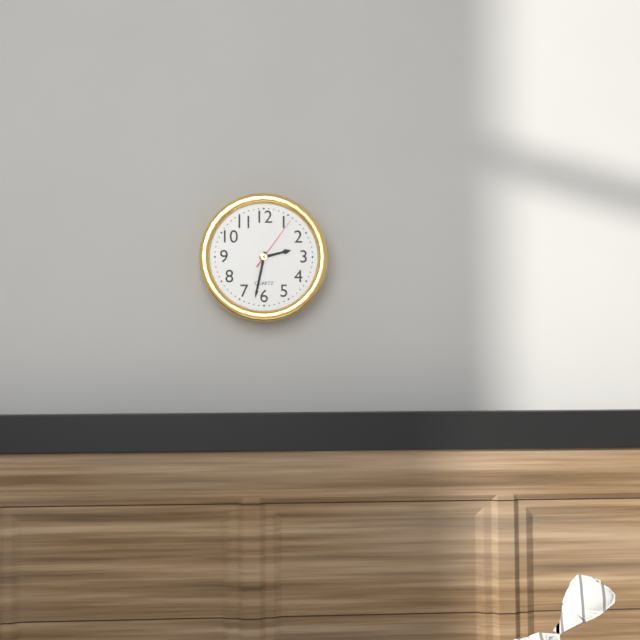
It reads h=2 m=32 s=6
